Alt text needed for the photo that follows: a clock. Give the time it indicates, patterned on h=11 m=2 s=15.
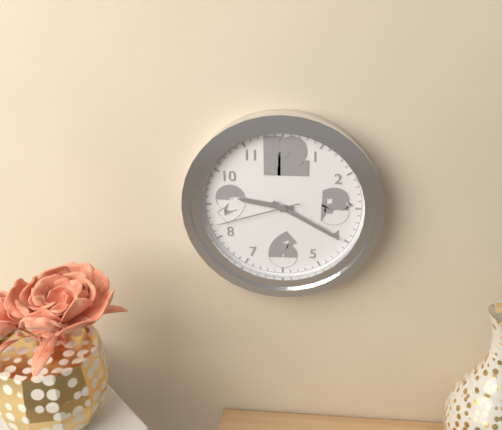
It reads h=9 m=20 s=42
